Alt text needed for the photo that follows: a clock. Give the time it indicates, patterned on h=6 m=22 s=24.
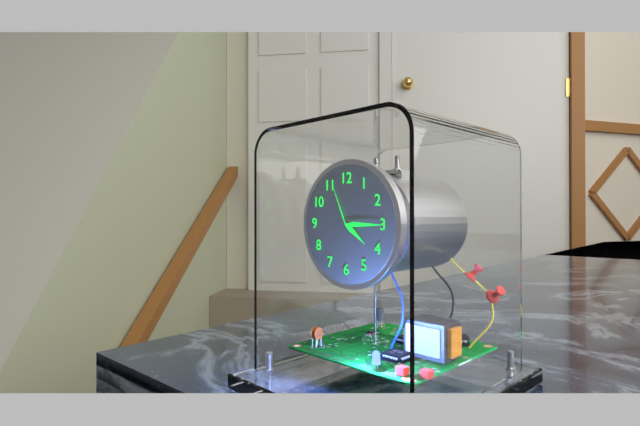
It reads h=4 m=15 s=56
